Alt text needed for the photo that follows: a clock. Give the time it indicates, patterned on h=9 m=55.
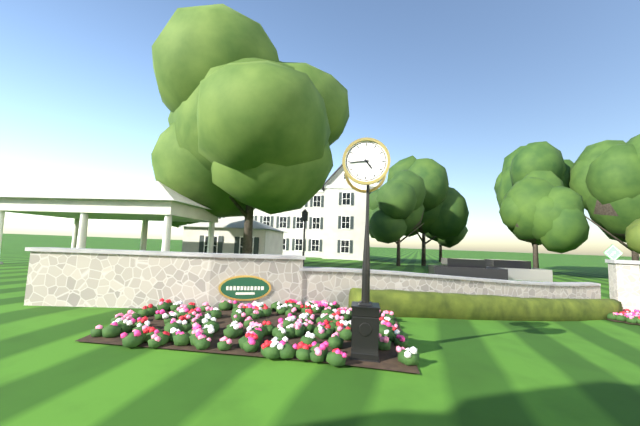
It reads h=4 m=44
